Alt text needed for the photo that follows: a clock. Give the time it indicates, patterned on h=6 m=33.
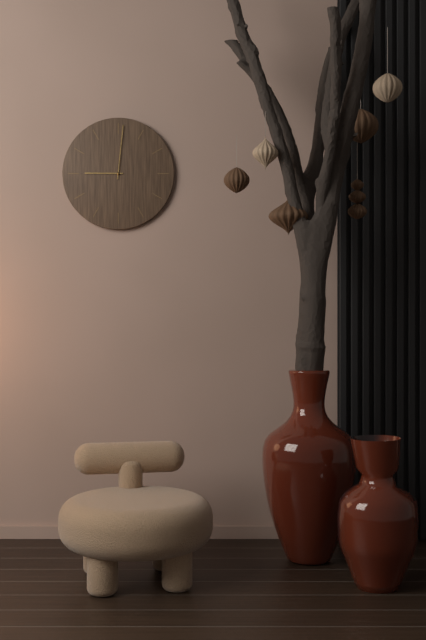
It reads h=9 m=1
